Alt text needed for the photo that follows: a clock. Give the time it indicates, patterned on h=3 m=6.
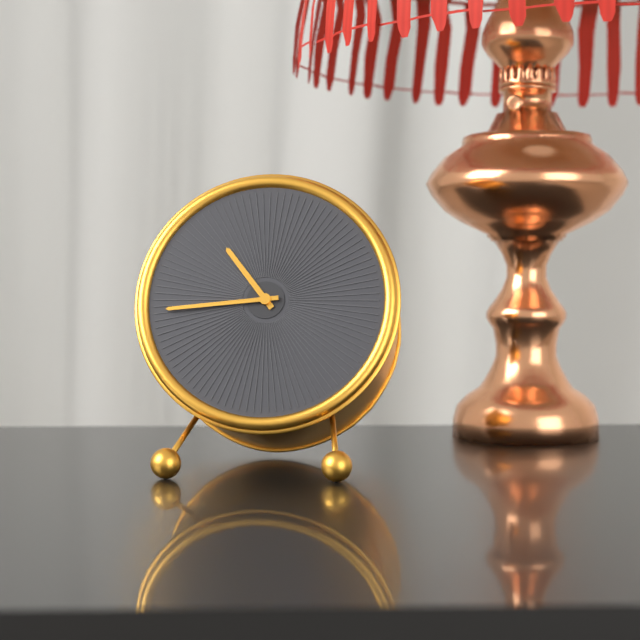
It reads h=10 m=44
